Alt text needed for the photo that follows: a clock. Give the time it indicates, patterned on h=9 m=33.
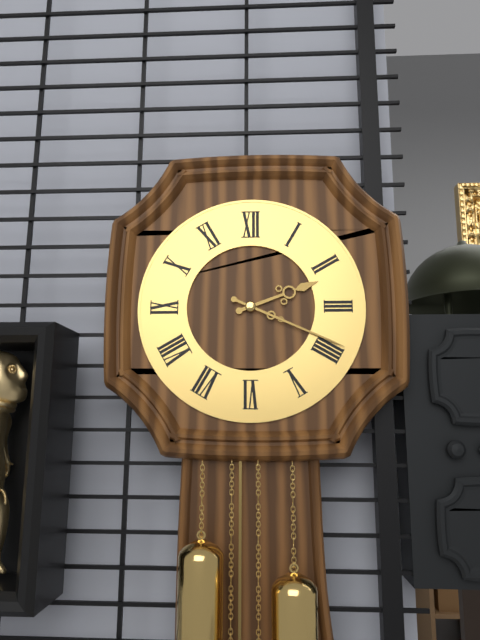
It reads h=2 m=19
